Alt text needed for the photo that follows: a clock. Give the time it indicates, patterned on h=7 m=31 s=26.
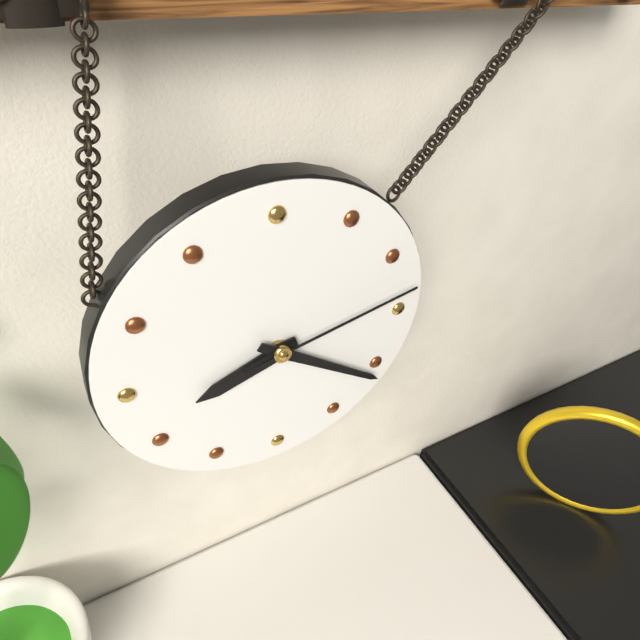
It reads h=8 m=21 s=13
